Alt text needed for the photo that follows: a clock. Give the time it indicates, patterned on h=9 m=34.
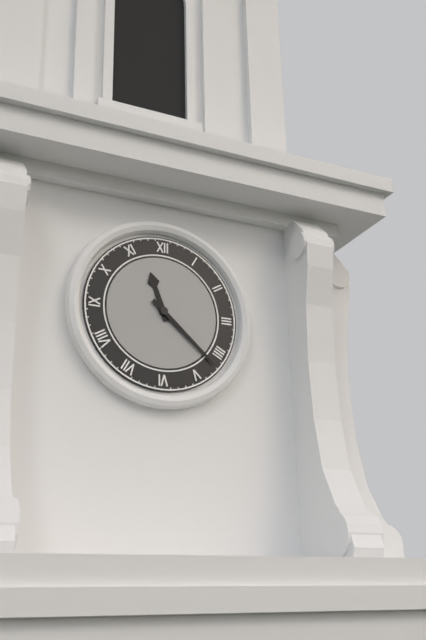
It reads h=11 m=22
